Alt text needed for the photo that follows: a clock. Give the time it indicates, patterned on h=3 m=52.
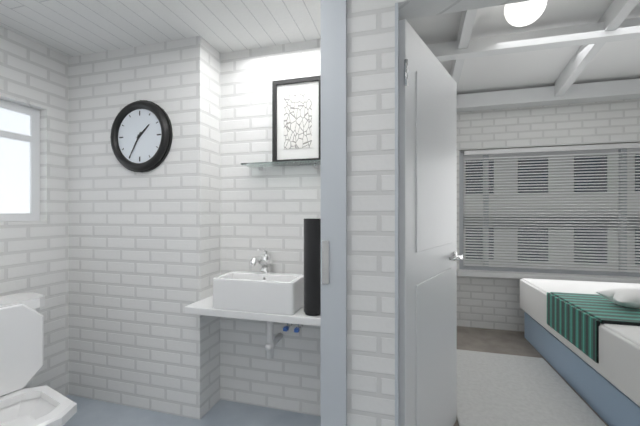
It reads h=1 m=35
